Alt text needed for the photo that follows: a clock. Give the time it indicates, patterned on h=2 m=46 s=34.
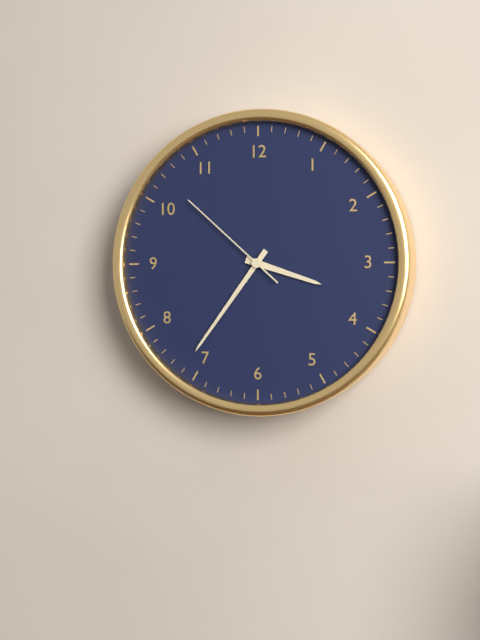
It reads h=3 m=36 s=52
